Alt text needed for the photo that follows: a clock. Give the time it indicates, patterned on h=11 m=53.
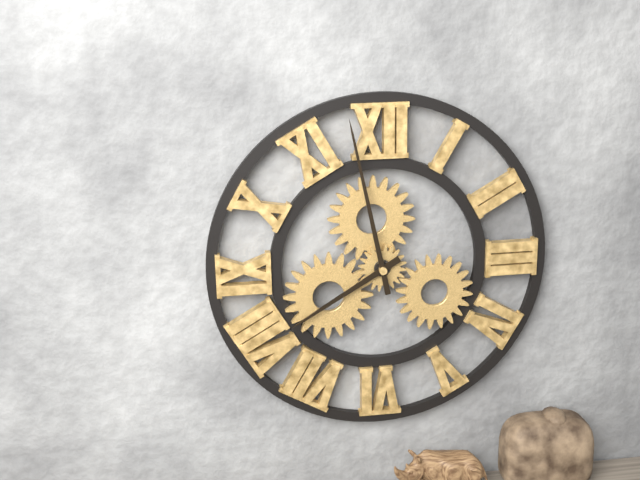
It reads h=7 m=58
